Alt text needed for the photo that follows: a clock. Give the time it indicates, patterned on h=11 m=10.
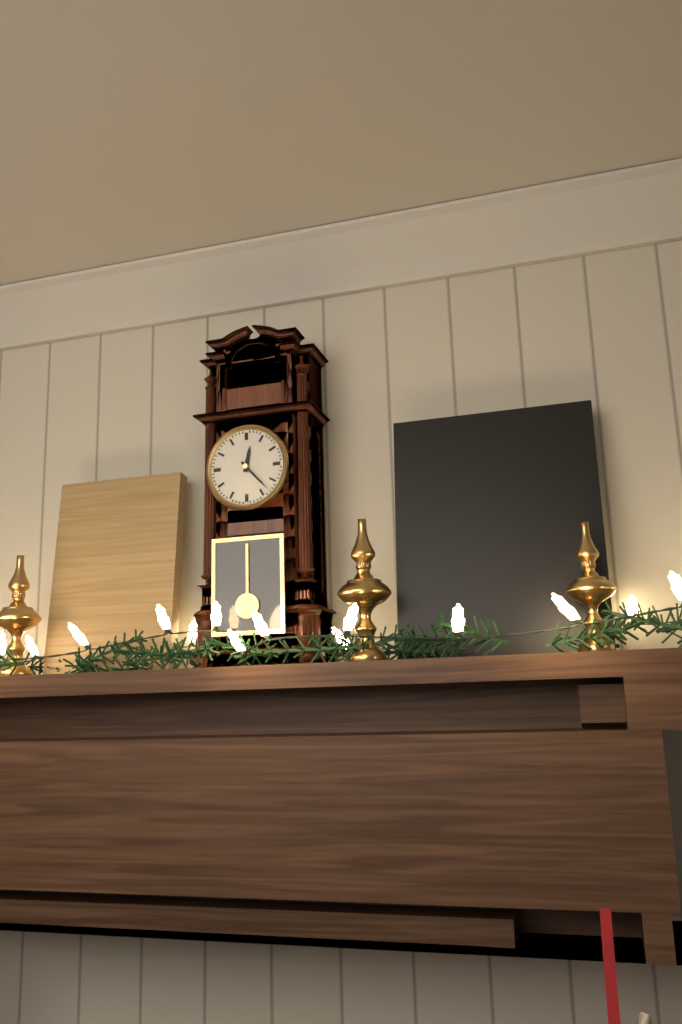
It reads h=12 m=23
